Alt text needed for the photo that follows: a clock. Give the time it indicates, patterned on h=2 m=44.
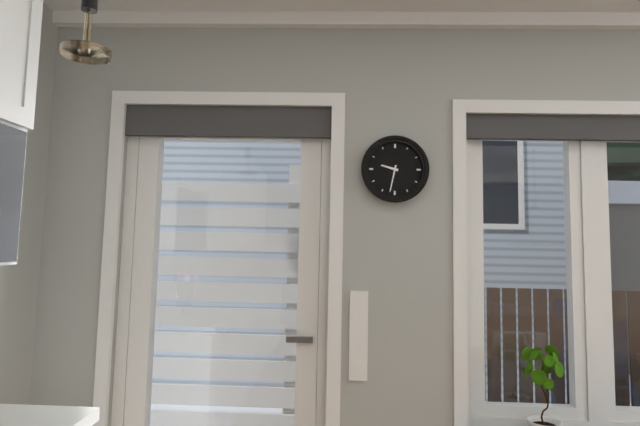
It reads h=9 m=32
